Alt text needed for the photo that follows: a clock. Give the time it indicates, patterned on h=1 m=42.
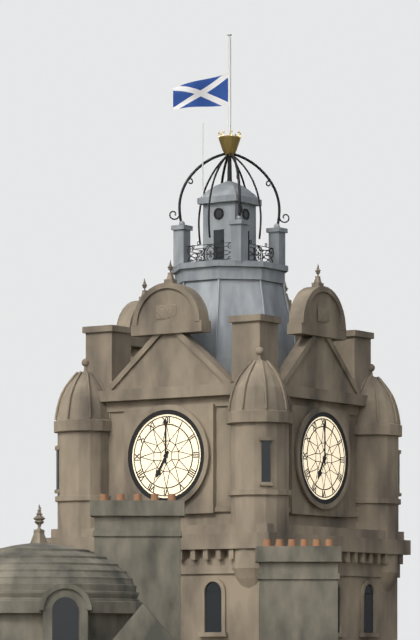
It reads h=7 m=0
